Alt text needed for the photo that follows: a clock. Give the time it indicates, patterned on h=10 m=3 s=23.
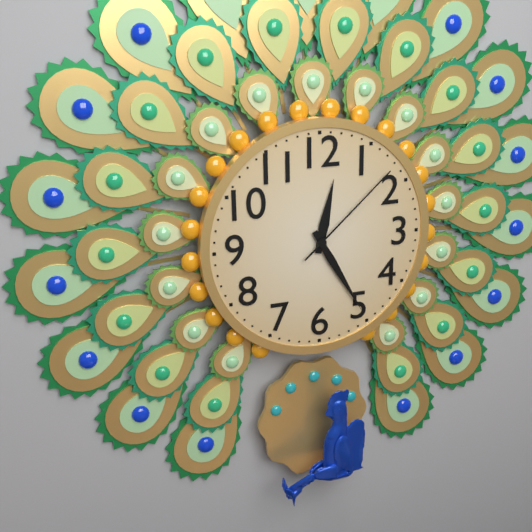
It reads h=12 m=25 s=8
